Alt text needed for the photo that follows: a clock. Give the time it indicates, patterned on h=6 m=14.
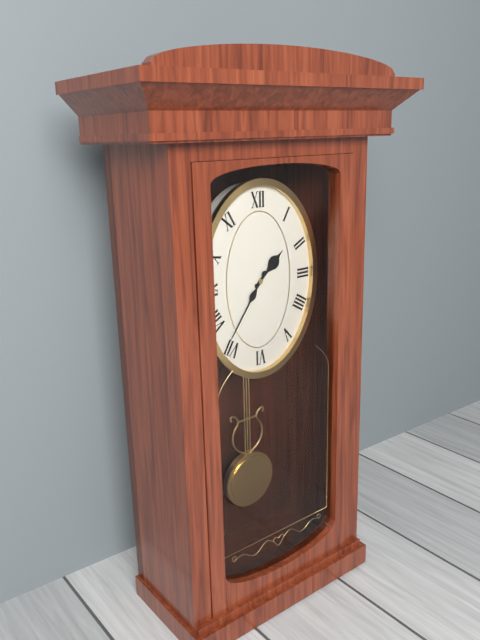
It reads h=1 m=36
